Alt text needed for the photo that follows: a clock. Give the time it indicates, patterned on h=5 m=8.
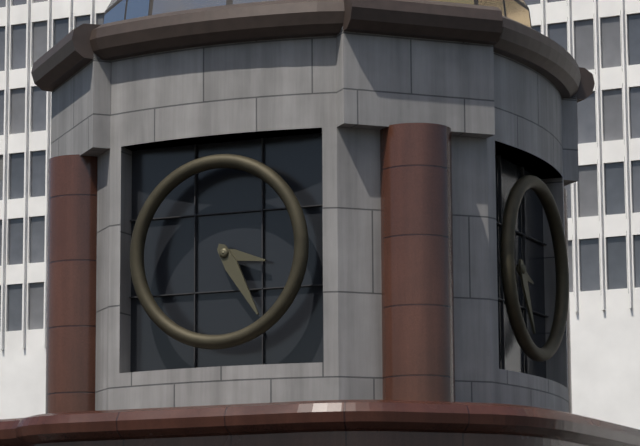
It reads h=3 m=25
